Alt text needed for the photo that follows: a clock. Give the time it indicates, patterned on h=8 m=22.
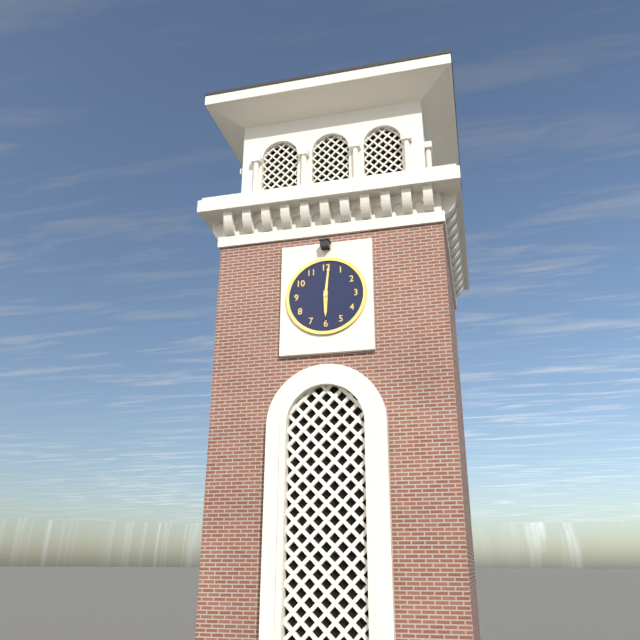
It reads h=6 m=1
